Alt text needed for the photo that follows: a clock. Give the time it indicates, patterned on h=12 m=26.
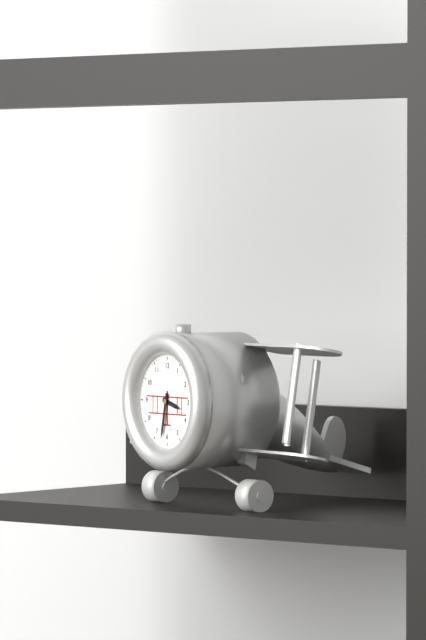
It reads h=3 m=32
